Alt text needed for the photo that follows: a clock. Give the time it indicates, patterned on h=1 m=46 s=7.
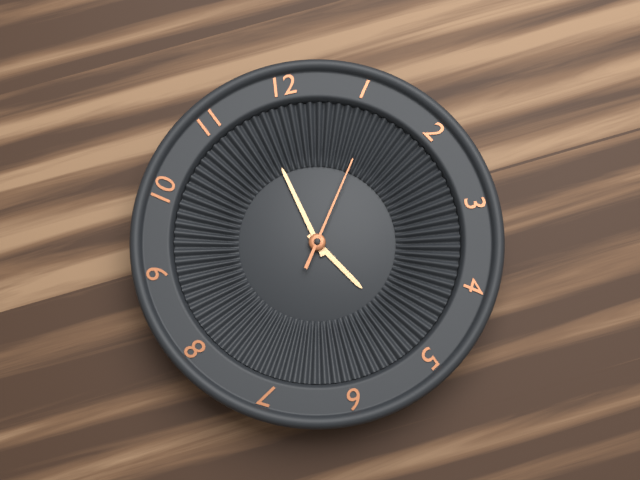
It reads h=4 m=58 s=6
